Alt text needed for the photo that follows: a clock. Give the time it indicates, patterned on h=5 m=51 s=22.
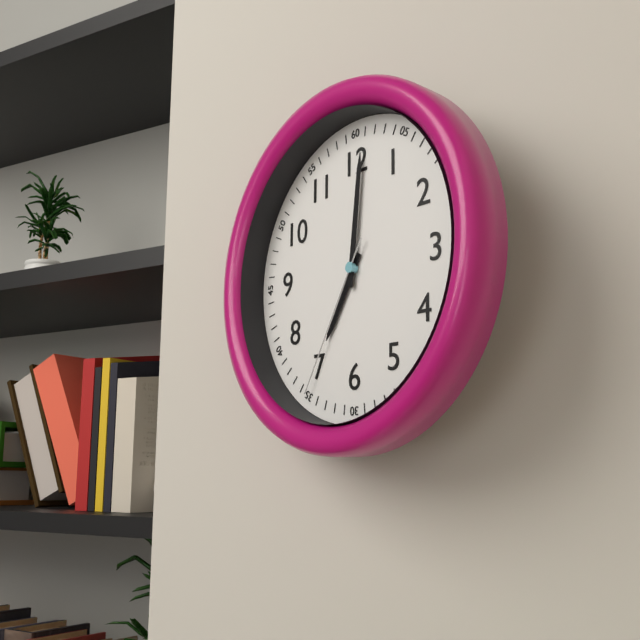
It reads h=7 m=1 s=35
